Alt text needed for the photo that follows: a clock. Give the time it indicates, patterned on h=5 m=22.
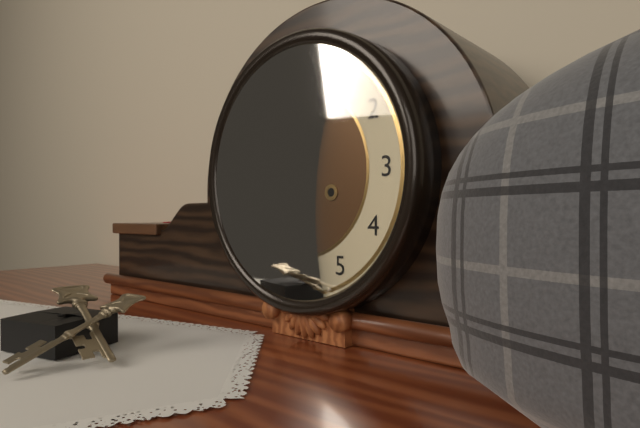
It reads h=11 m=35
